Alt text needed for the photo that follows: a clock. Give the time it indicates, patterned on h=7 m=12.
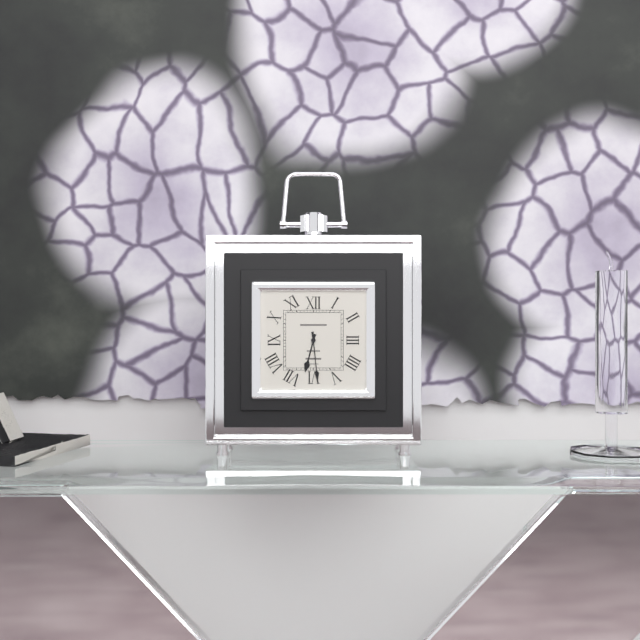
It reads h=6 m=29
